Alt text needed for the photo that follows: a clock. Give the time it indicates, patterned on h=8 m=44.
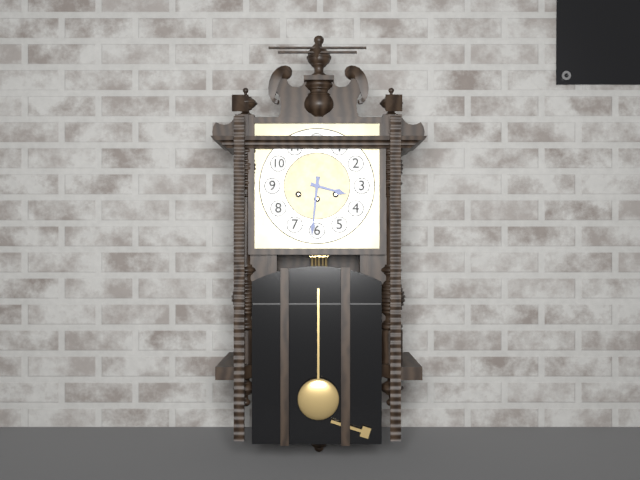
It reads h=3 m=31
